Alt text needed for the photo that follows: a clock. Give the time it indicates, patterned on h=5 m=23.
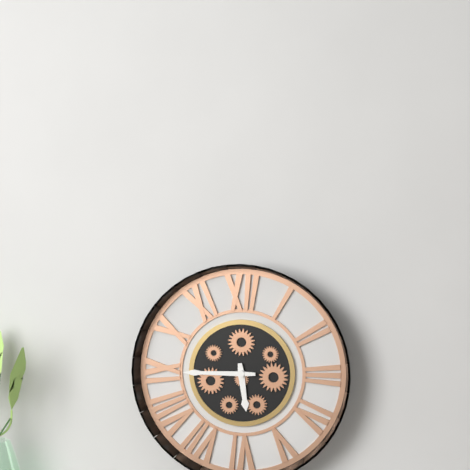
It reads h=5 m=45
